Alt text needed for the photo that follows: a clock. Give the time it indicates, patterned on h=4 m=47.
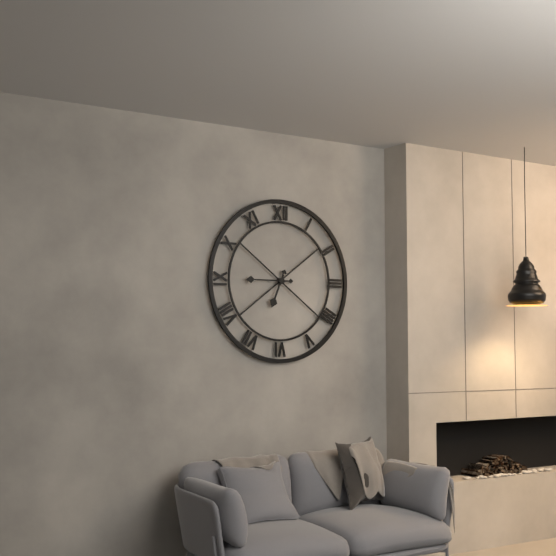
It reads h=6 m=45
